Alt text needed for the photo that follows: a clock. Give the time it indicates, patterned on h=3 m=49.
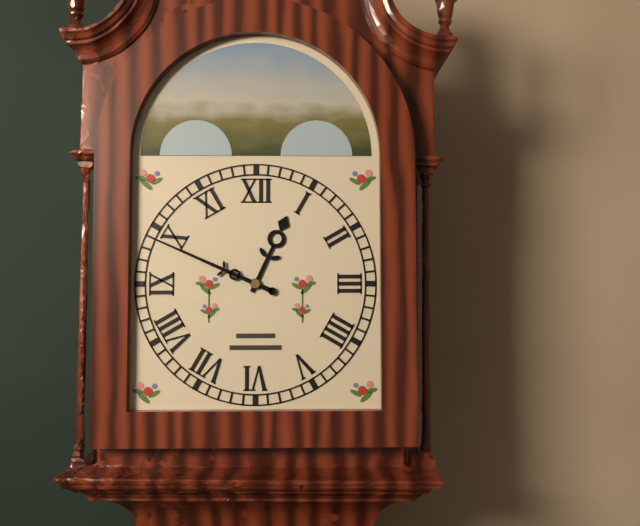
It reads h=12 m=49
